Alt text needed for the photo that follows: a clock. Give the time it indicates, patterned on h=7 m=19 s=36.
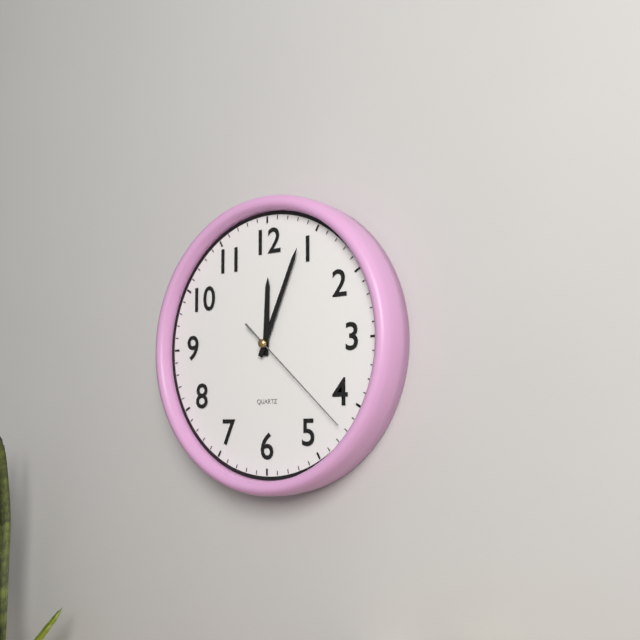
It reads h=12 m=4 s=22
